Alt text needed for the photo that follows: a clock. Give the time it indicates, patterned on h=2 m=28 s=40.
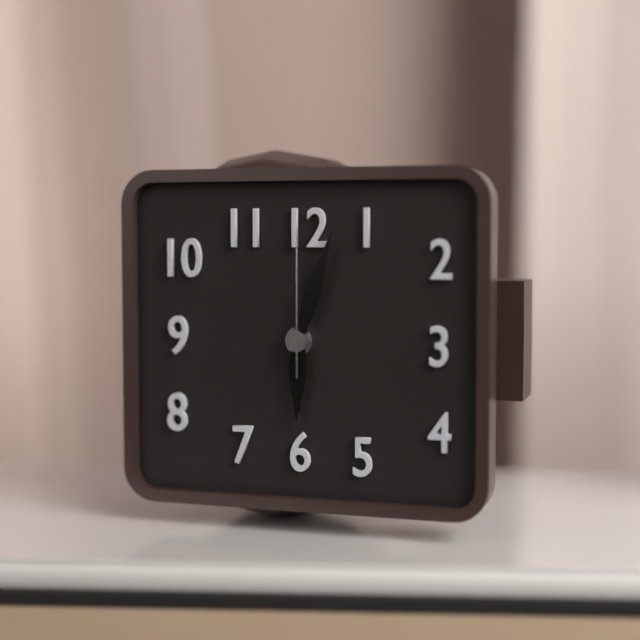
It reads h=6 m=3 s=0
